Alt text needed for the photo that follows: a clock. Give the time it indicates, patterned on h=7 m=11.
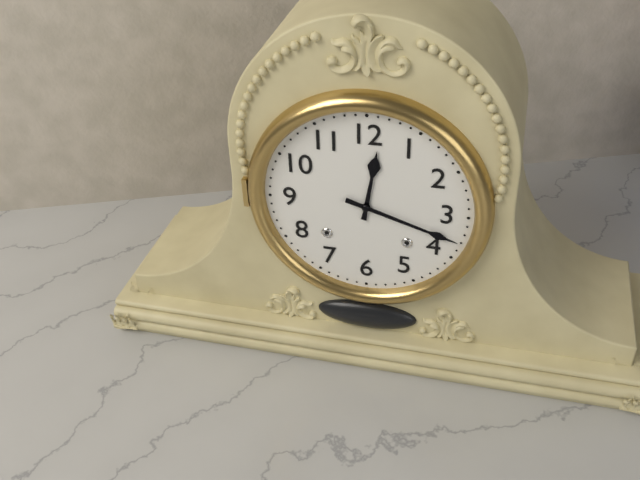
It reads h=12 m=18
